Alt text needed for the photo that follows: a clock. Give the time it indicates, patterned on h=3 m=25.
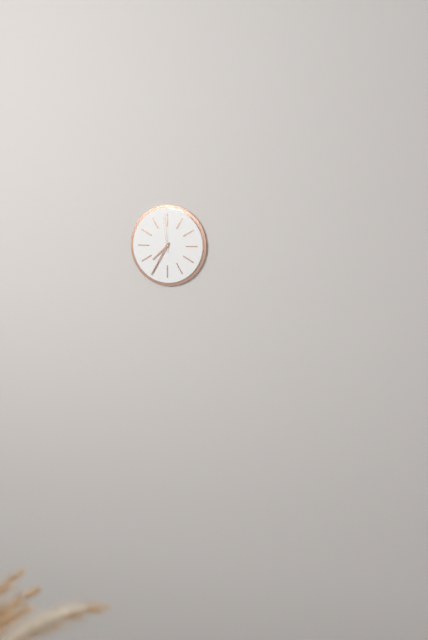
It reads h=7 m=35
